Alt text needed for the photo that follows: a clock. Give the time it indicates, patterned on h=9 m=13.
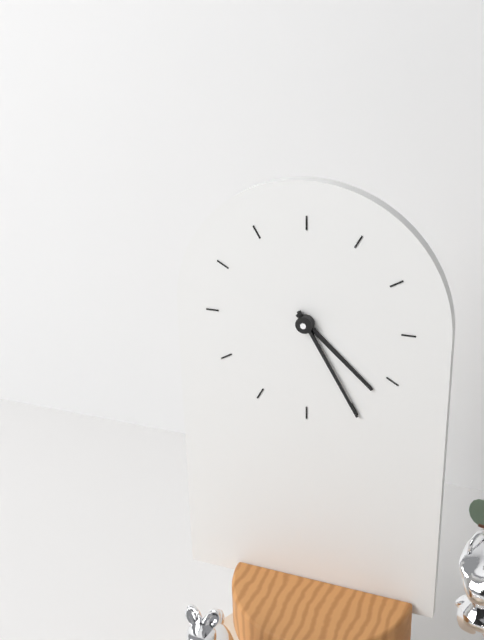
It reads h=4 m=25
